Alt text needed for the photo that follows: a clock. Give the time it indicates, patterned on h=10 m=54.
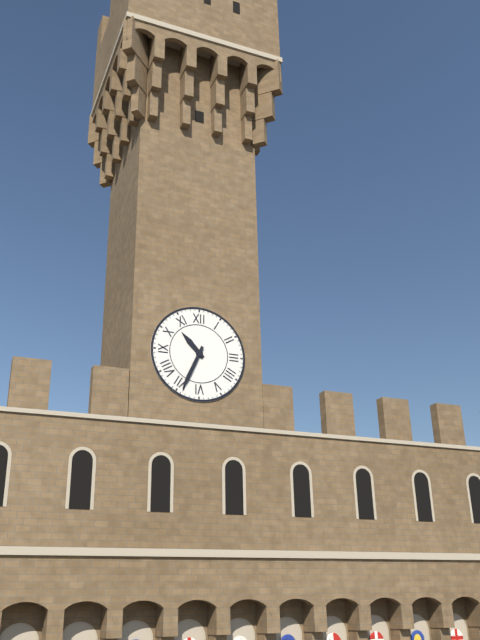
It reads h=10 m=34
